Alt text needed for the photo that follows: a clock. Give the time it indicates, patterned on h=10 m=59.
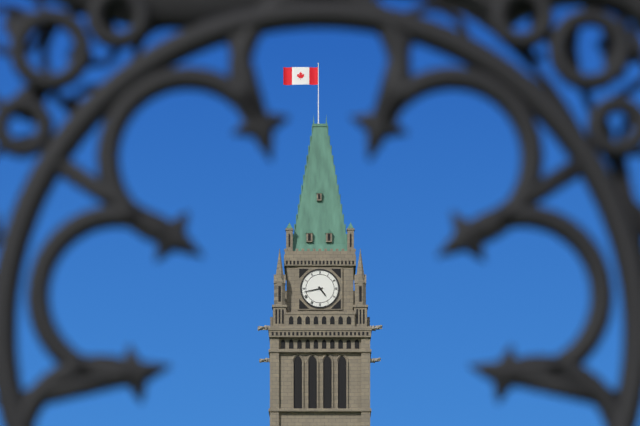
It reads h=4 m=43
